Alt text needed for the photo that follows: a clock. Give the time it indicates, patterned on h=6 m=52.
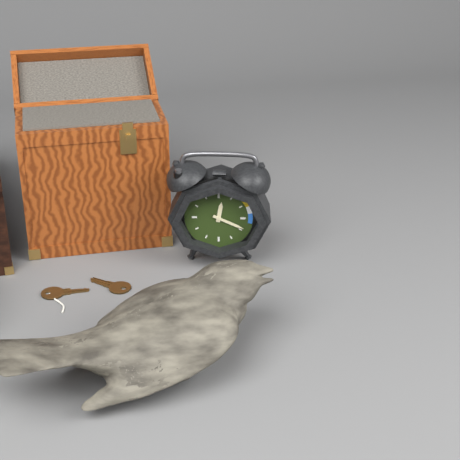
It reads h=12 m=19
